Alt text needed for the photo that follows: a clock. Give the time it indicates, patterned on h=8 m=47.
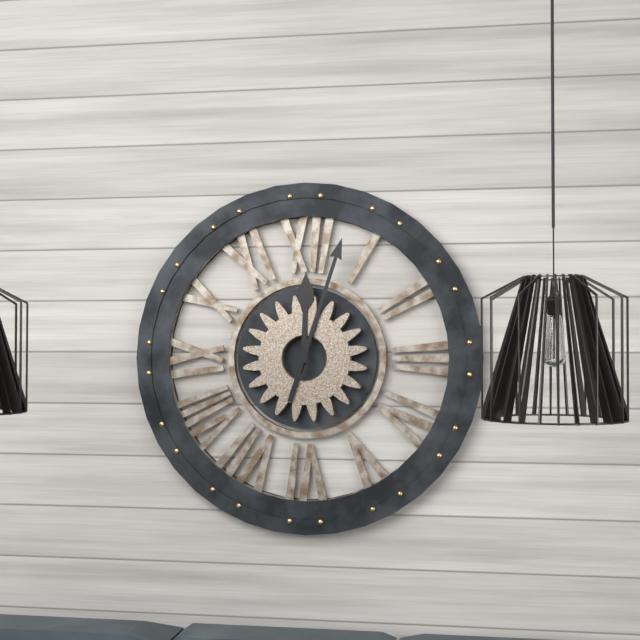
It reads h=12 m=3
